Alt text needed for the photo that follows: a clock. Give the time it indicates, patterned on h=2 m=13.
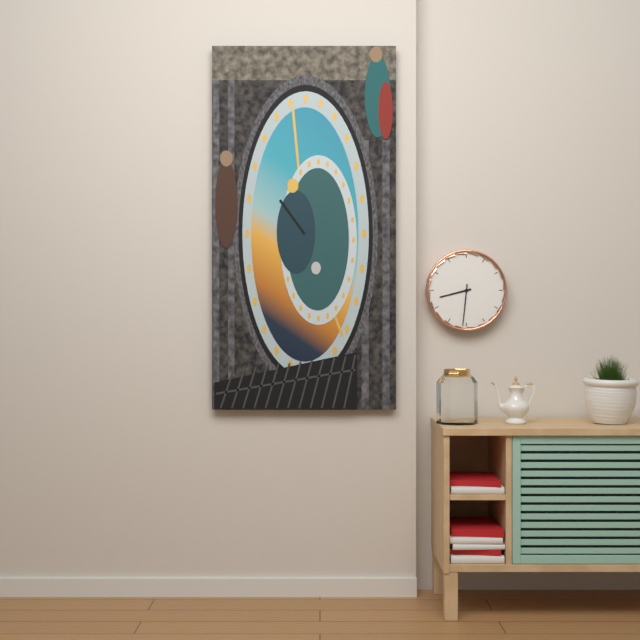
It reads h=8 m=31
